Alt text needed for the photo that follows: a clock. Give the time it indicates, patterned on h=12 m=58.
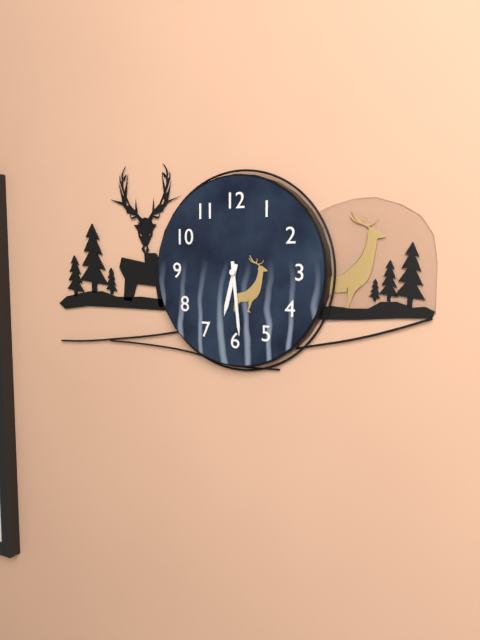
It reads h=6 m=29
